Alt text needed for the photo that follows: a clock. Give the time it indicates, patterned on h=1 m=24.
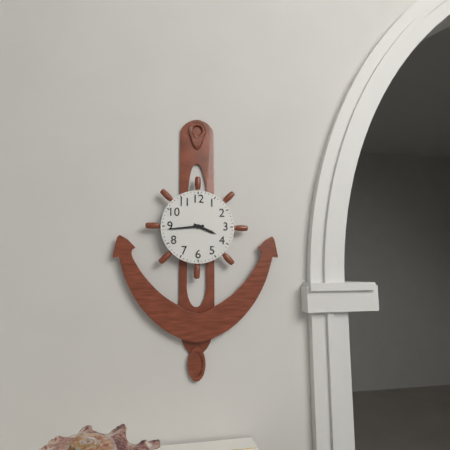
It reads h=3 m=44
